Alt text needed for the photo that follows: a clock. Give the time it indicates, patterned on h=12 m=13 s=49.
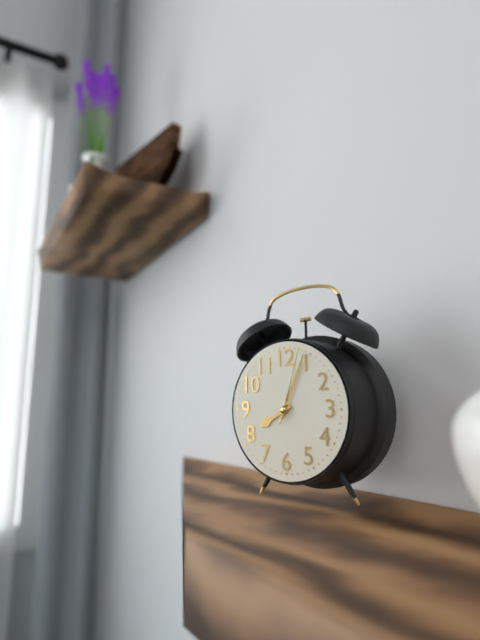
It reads h=8 m=4 s=3
